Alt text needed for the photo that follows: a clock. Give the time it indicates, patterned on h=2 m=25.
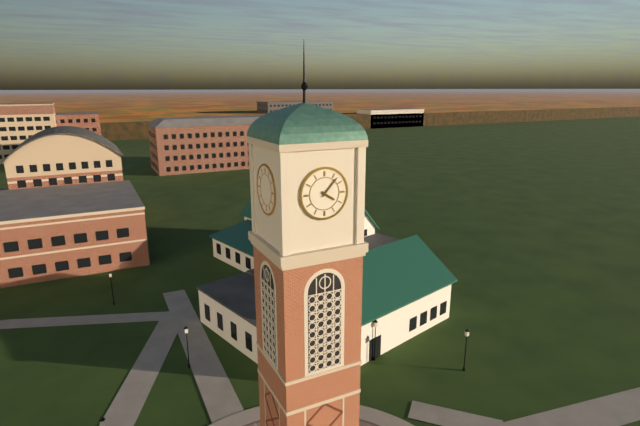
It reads h=4 m=7
